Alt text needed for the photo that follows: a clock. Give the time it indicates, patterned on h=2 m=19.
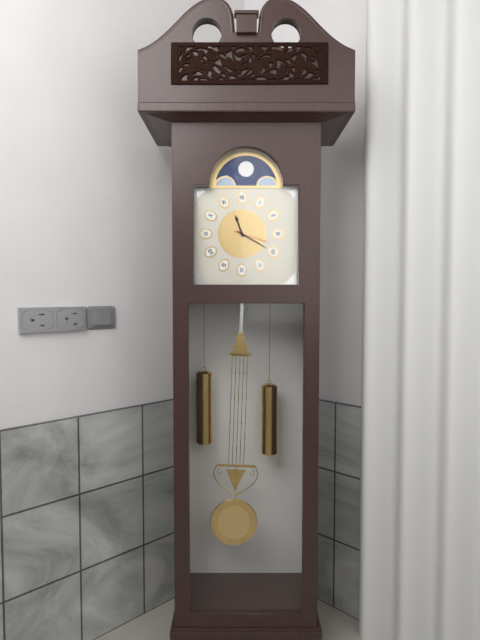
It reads h=11 m=20
